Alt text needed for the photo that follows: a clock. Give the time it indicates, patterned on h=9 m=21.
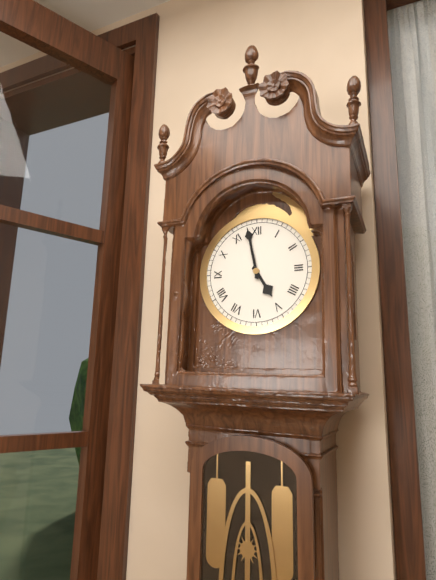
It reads h=4 m=58
